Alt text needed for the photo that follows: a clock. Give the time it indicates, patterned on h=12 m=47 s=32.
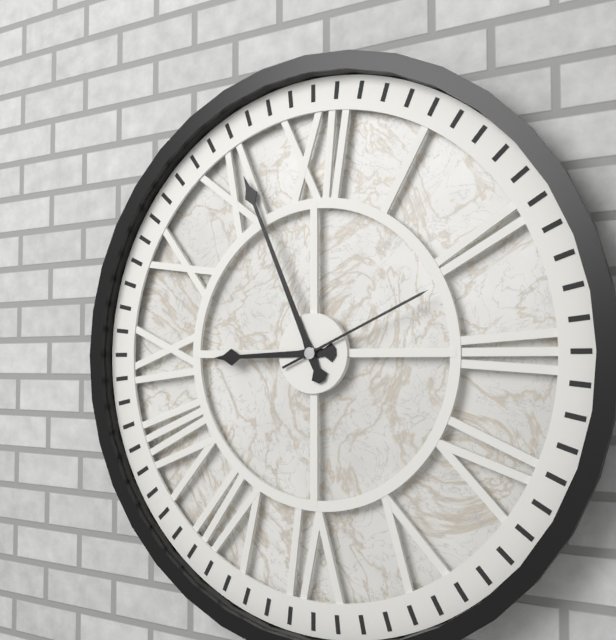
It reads h=8 m=56 s=11
